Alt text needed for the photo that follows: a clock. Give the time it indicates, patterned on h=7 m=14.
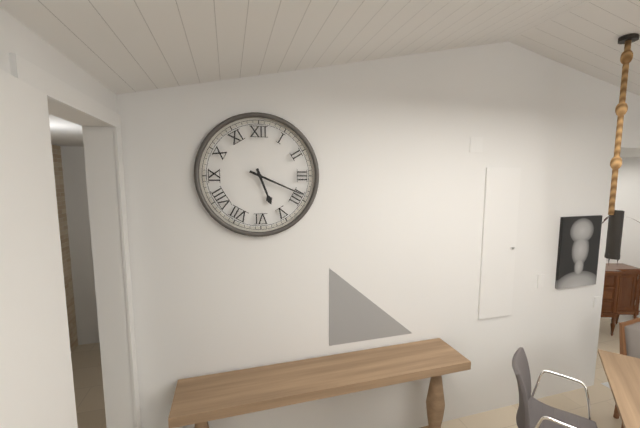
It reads h=5 m=19
